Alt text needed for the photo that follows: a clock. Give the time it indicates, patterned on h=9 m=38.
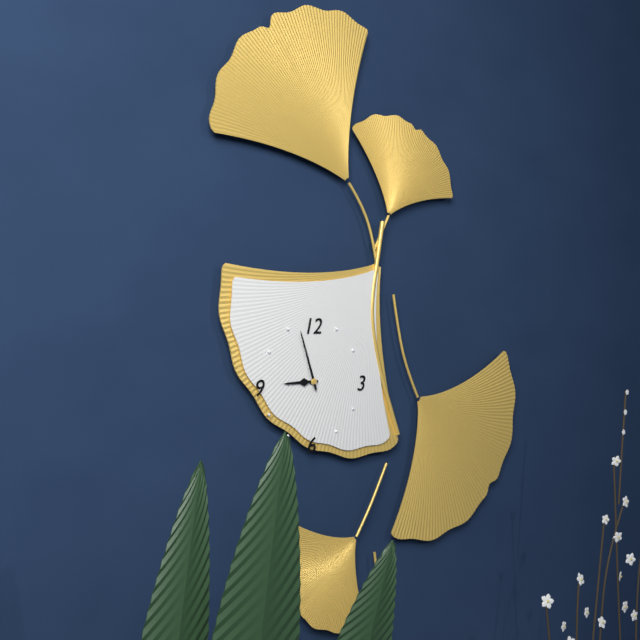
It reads h=8 m=57
